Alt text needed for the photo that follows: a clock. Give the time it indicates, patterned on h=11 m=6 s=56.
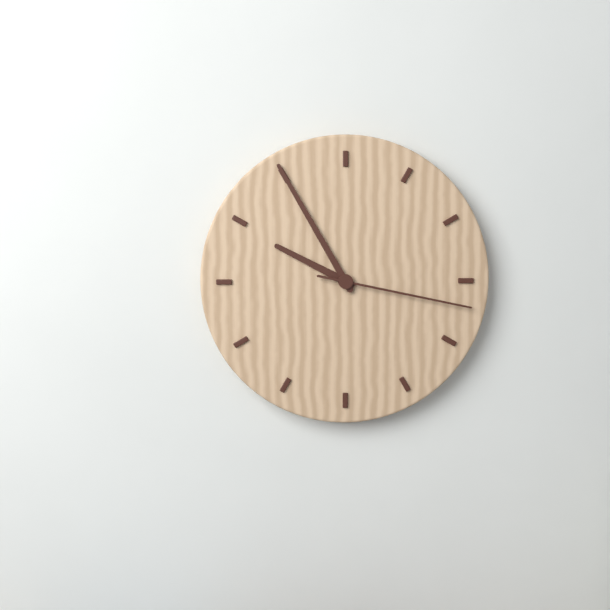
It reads h=9 m=55 s=17
